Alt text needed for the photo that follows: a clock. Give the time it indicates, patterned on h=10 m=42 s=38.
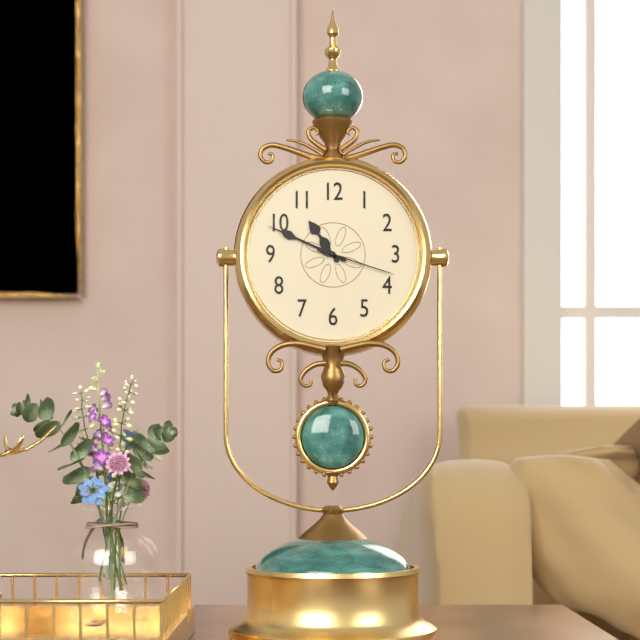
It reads h=10 m=49 s=18
